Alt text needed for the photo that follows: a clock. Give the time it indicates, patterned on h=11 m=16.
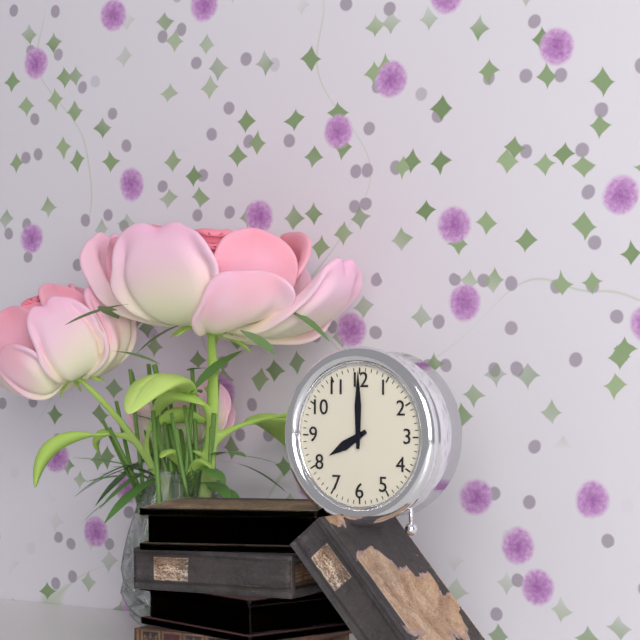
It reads h=8 m=0
